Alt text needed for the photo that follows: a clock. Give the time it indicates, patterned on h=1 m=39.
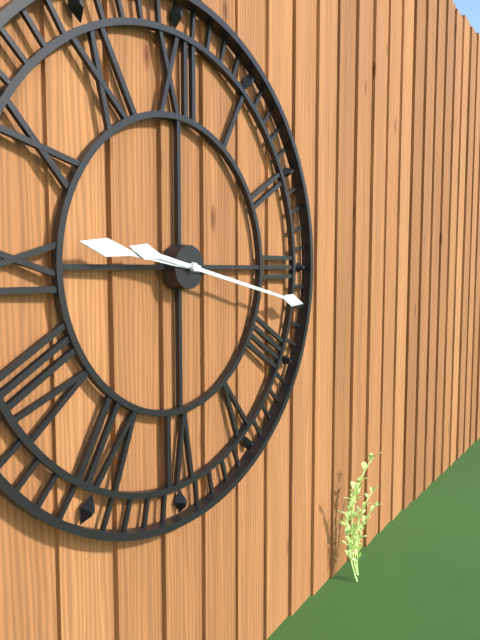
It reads h=9 m=17
